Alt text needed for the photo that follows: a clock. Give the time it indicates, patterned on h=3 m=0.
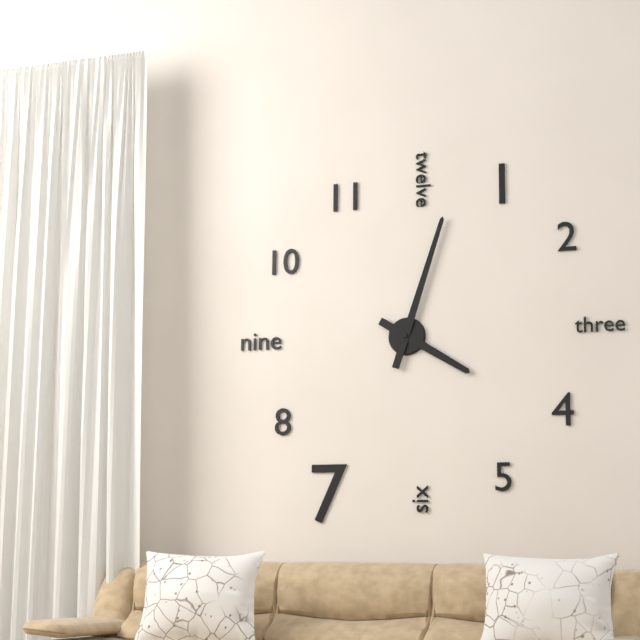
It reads h=4 m=3
